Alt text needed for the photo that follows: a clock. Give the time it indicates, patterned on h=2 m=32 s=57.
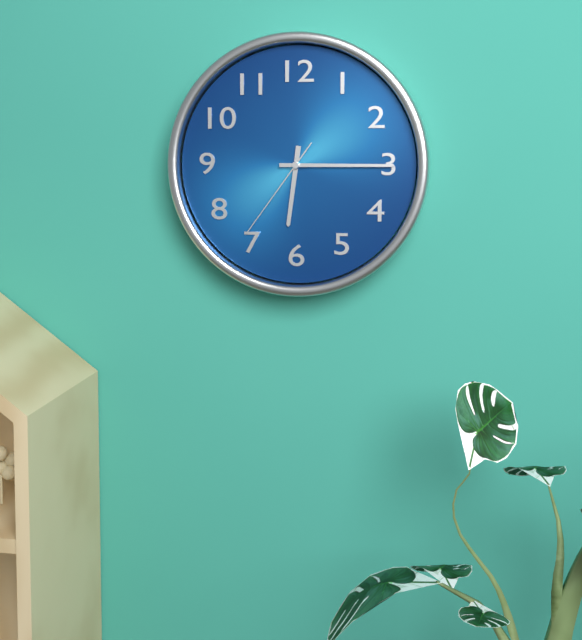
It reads h=6 m=15 s=36
